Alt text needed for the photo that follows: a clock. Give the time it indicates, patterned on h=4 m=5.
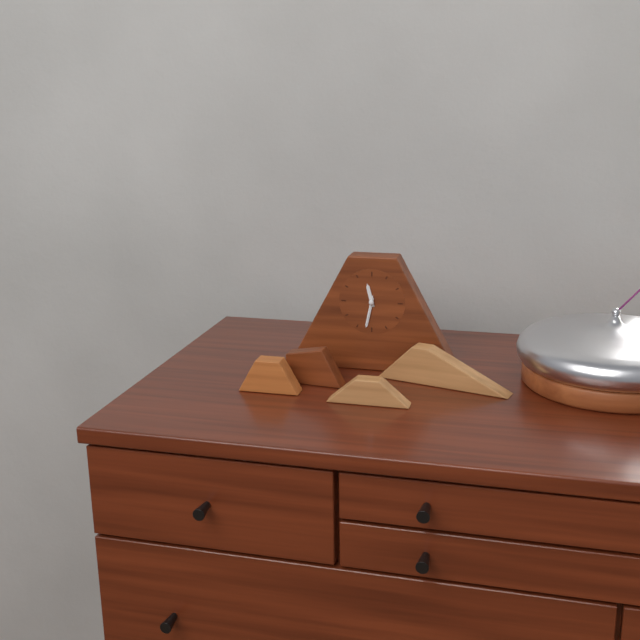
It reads h=11 m=32
